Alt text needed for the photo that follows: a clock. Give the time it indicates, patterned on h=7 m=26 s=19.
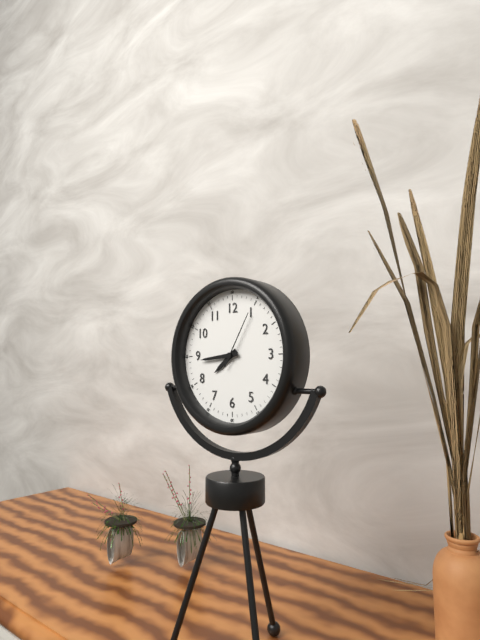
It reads h=7 m=44 s=5
